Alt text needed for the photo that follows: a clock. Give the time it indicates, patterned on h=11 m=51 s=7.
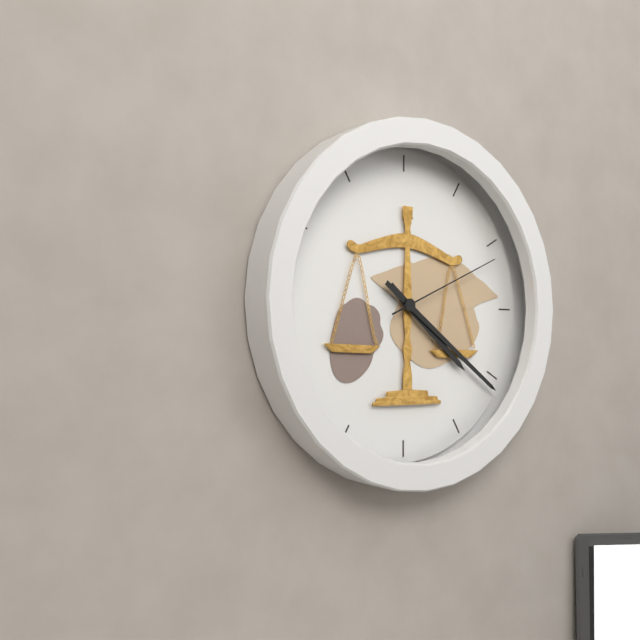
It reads h=4 m=21 s=11
